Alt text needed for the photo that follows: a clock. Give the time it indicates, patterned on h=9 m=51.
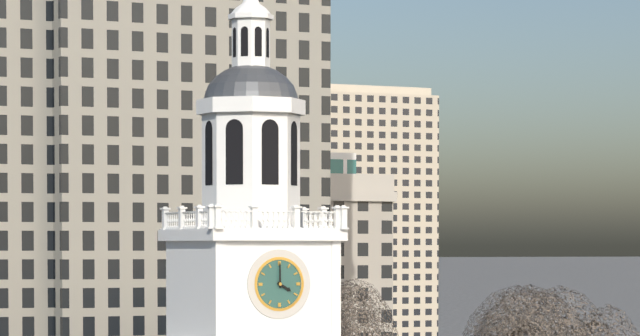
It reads h=4 m=0
